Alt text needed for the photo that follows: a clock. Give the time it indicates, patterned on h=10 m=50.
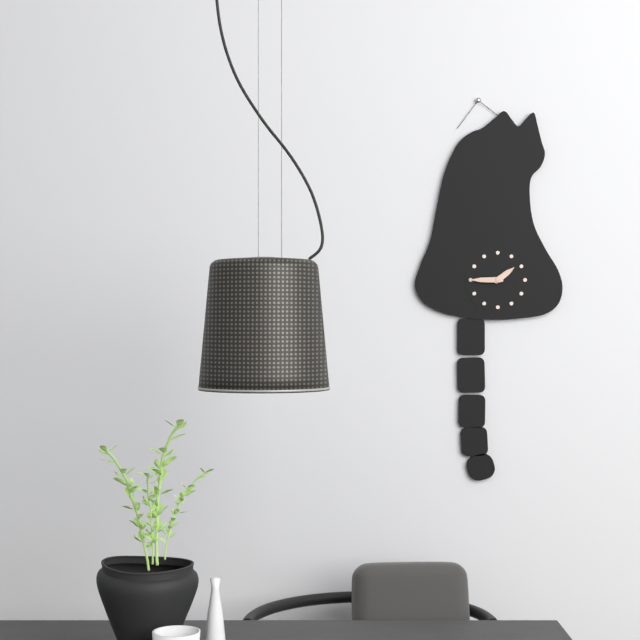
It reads h=1 m=45
